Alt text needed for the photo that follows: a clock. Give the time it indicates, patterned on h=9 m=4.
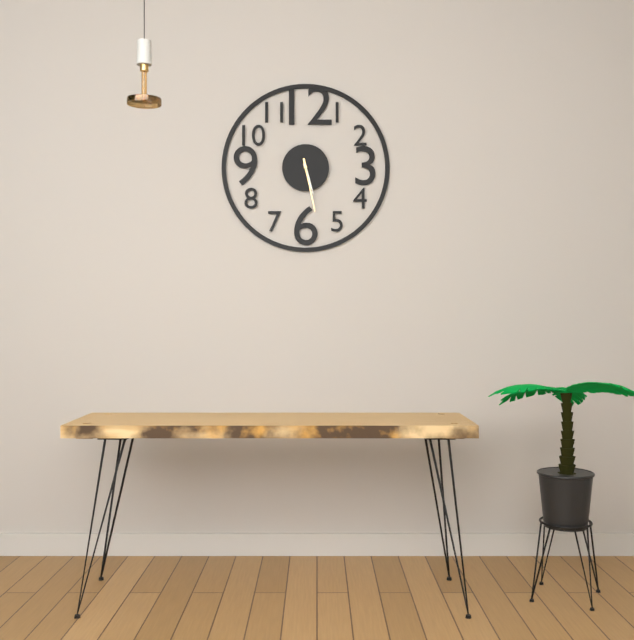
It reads h=5 m=28
